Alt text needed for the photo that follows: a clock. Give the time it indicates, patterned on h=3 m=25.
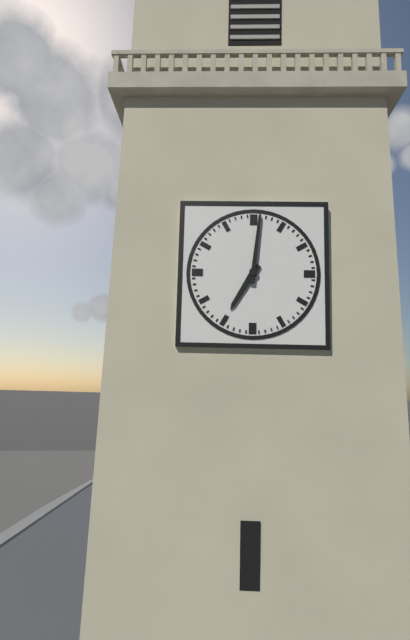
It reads h=7 m=1
